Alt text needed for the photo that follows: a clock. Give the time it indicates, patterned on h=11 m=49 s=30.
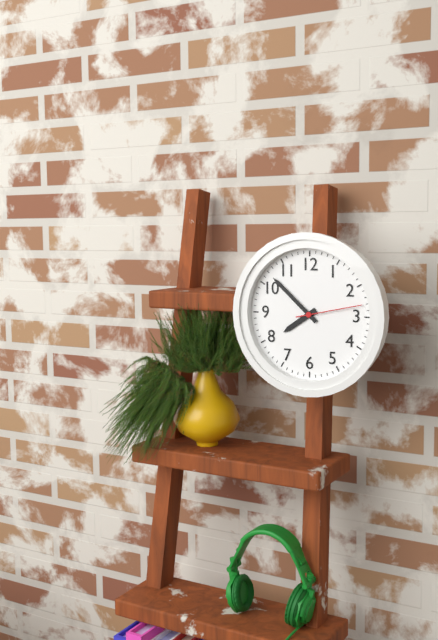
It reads h=7 m=52 s=13
